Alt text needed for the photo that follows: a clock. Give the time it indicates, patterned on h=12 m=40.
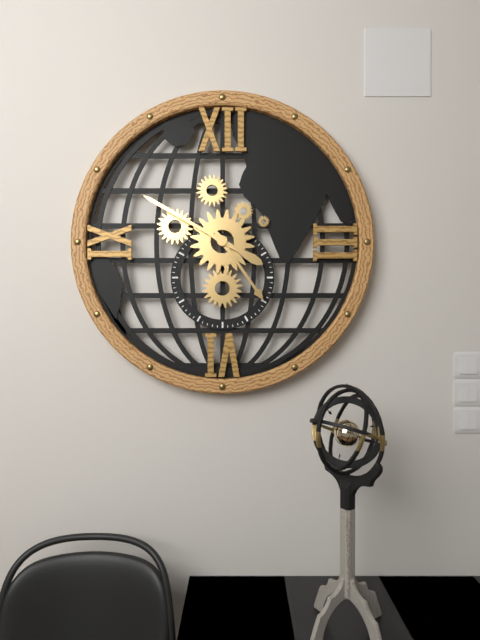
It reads h=4 m=50
